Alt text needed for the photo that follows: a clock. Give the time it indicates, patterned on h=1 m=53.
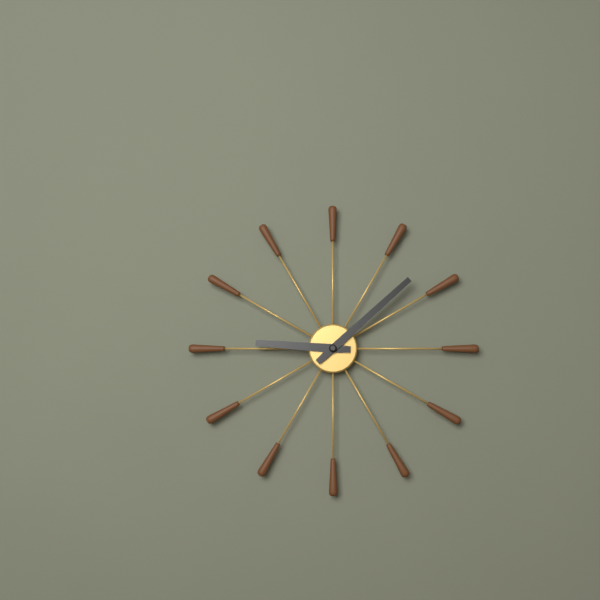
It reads h=9 m=8
